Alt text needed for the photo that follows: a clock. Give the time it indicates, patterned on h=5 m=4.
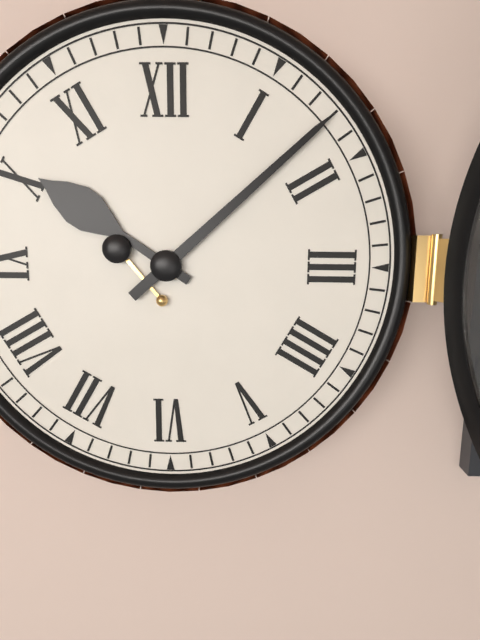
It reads h=10 m=8
